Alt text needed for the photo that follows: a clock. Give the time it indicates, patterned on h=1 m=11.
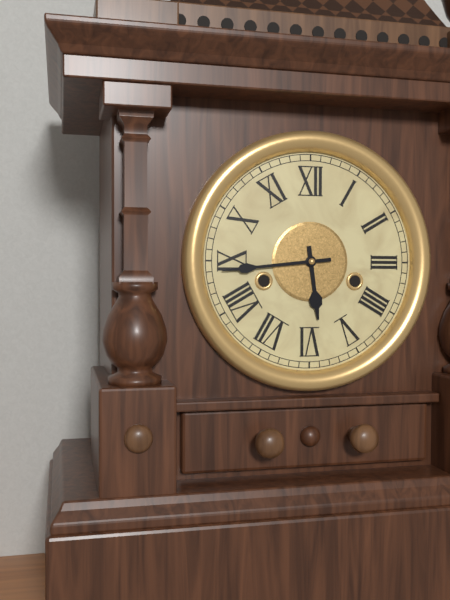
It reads h=5 m=44
